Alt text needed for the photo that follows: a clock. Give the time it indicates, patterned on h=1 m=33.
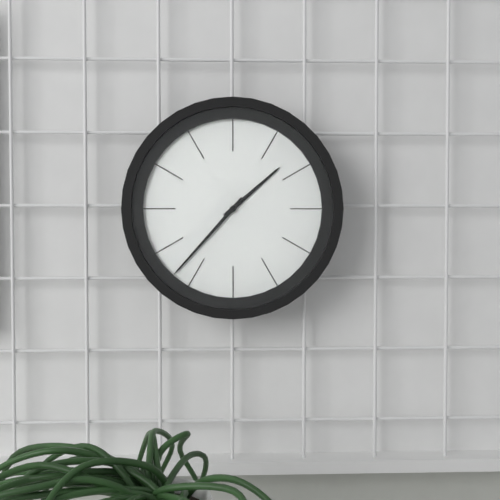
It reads h=1 m=37
